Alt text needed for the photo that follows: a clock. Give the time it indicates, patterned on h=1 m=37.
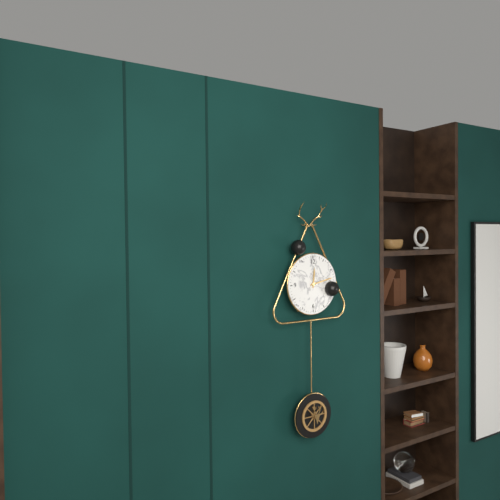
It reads h=12 m=13
